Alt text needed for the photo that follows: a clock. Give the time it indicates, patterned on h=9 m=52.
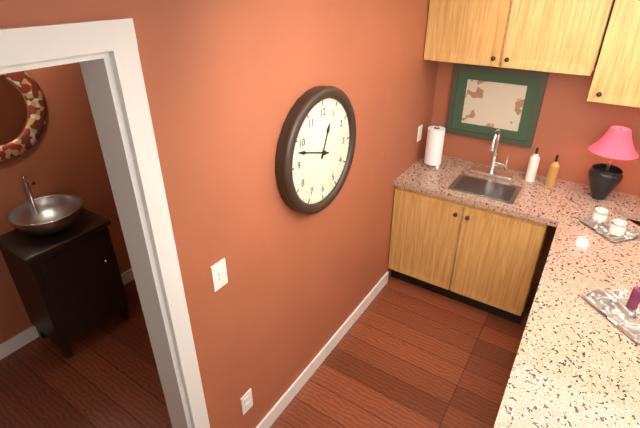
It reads h=12 m=48
